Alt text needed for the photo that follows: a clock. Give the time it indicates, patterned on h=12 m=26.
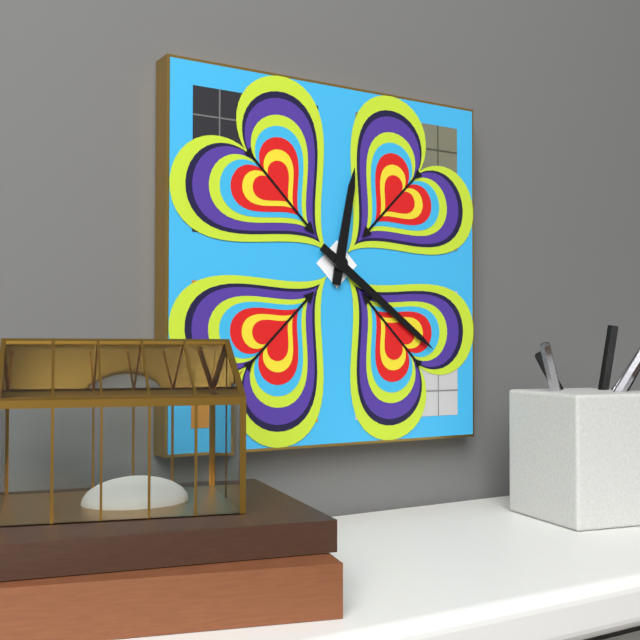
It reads h=12 m=21
